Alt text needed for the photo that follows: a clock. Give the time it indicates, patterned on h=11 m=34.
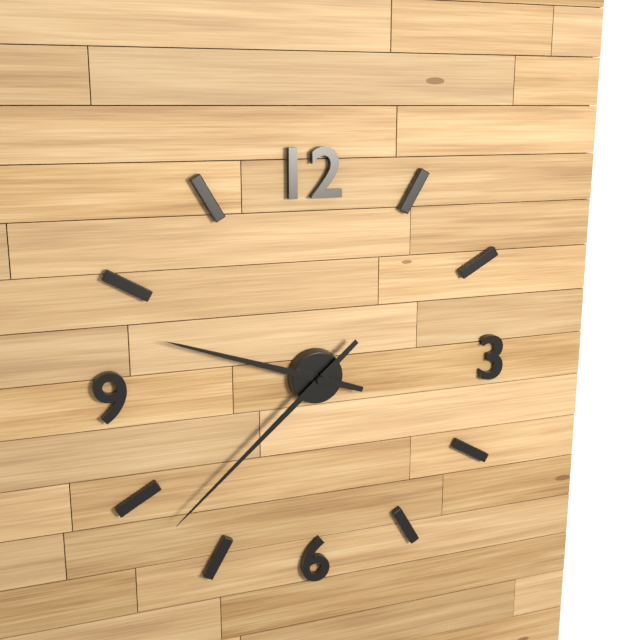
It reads h=9 m=38
